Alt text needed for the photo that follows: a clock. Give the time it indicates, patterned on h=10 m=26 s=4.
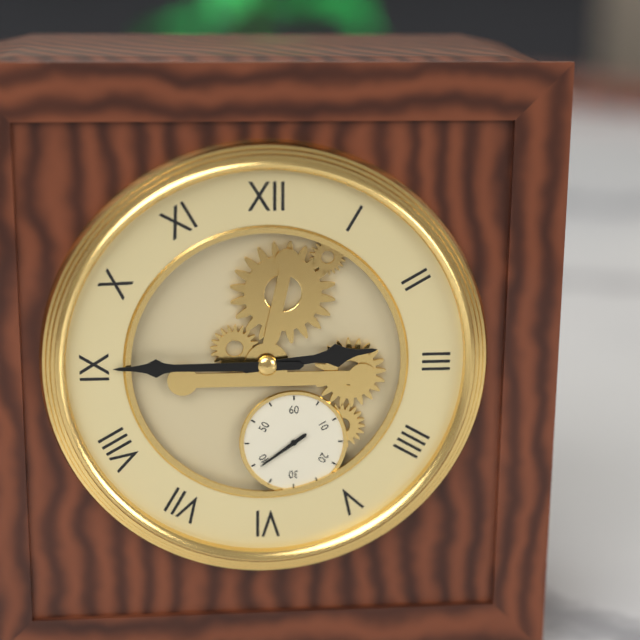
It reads h=2 m=45 s=39
